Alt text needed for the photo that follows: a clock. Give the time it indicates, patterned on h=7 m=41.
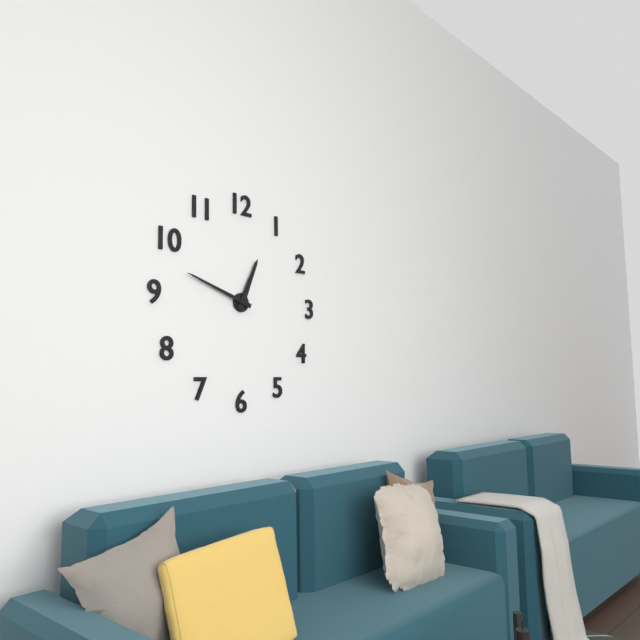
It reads h=12 m=48
